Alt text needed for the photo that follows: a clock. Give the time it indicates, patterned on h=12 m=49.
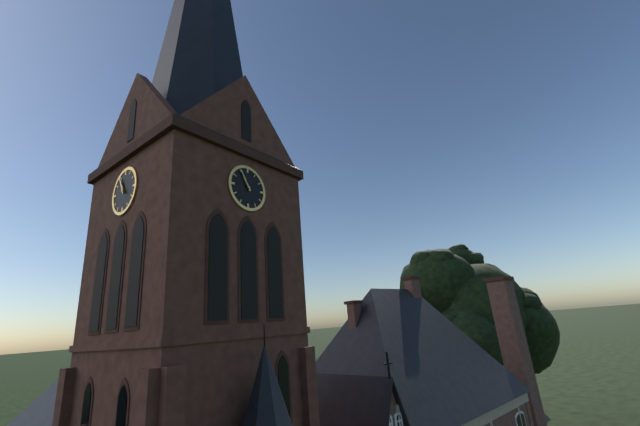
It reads h=10 m=55
